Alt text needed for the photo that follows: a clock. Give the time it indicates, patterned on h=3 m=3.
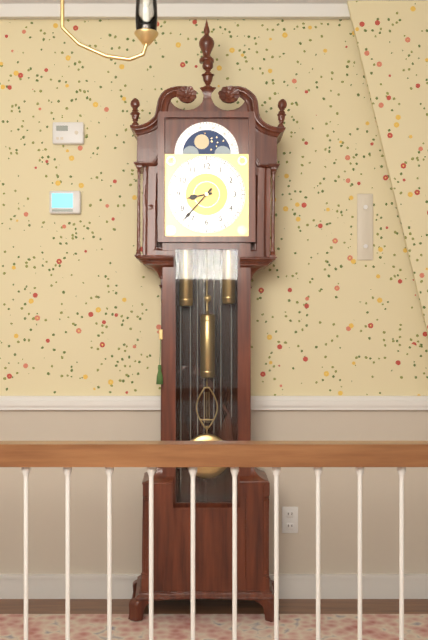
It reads h=8 m=37
